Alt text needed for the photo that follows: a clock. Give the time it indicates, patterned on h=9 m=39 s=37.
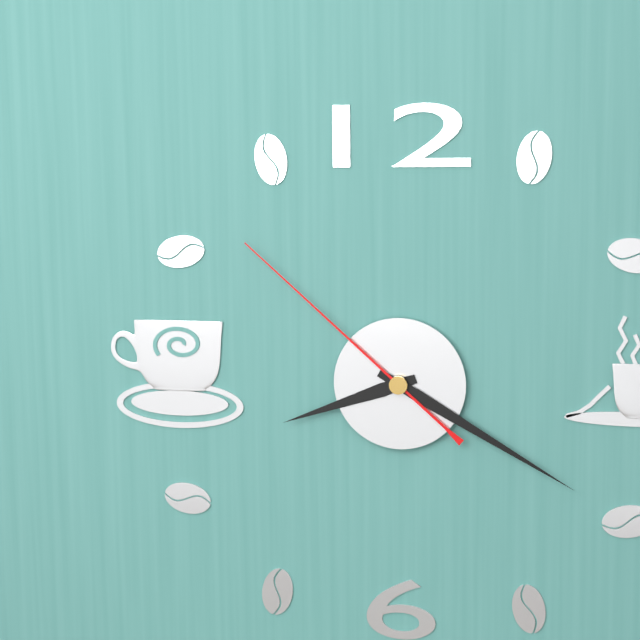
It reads h=8 m=20 s=52
